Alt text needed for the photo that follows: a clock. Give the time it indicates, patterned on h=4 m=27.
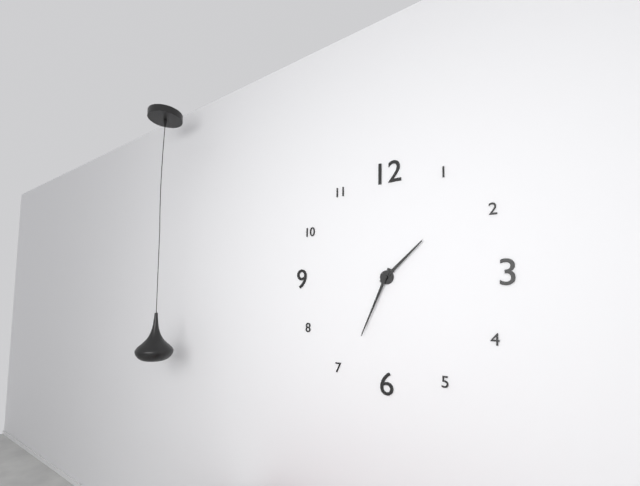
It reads h=1 m=34
